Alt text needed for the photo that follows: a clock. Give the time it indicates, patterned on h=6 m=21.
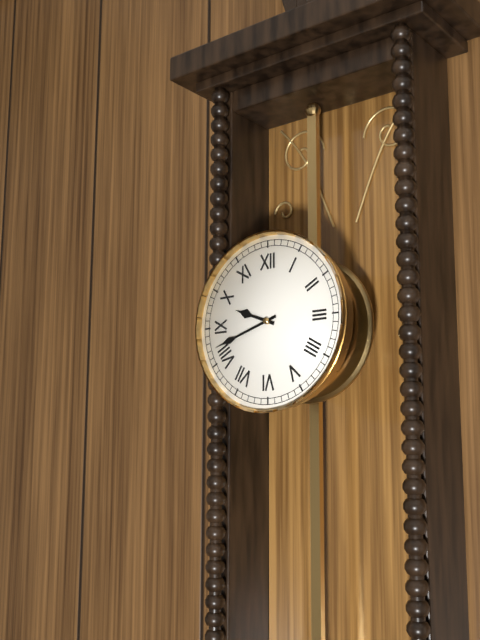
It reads h=9 m=42
